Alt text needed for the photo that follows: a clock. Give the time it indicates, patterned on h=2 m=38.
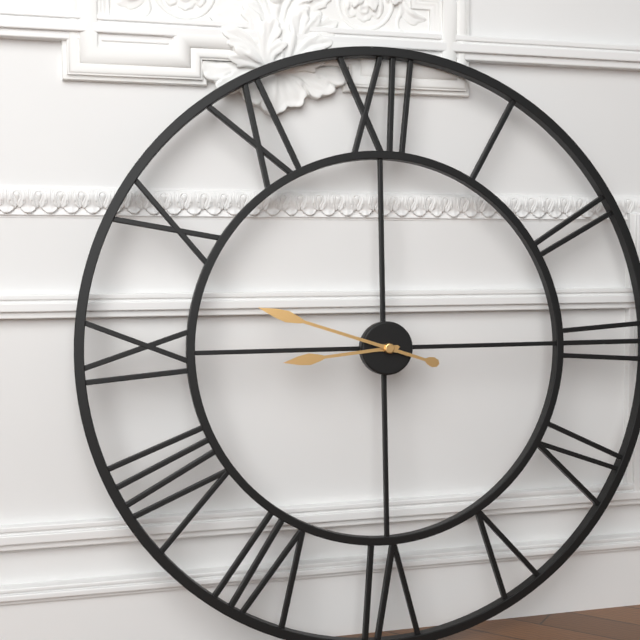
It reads h=8 m=48
